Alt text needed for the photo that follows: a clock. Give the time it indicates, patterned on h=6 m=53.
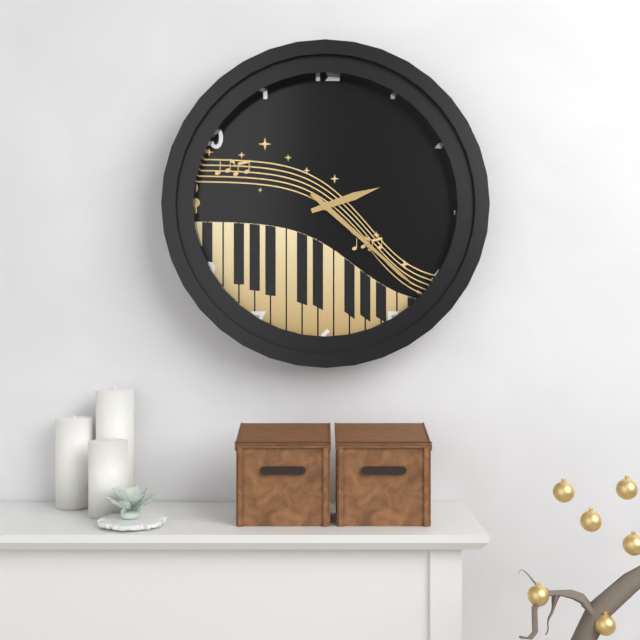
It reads h=2 m=22
